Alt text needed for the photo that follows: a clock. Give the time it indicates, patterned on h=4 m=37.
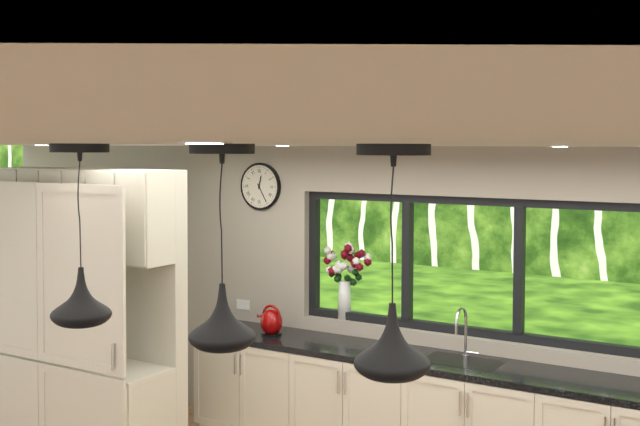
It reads h=12 m=25
